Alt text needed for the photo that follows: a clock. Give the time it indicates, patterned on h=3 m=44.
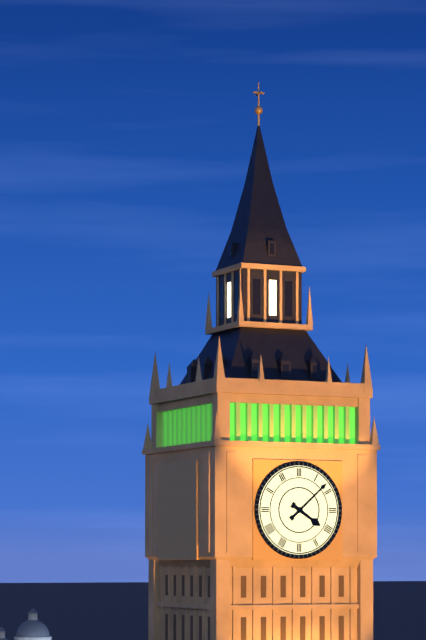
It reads h=4 m=8
